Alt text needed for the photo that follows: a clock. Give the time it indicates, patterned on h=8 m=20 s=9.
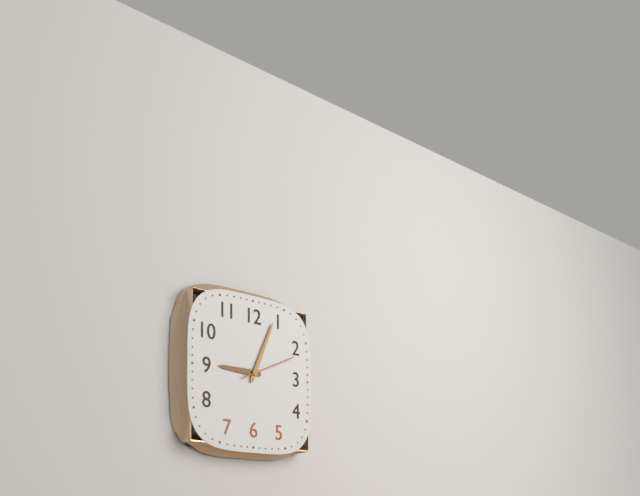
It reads h=9 m=4 s=11
